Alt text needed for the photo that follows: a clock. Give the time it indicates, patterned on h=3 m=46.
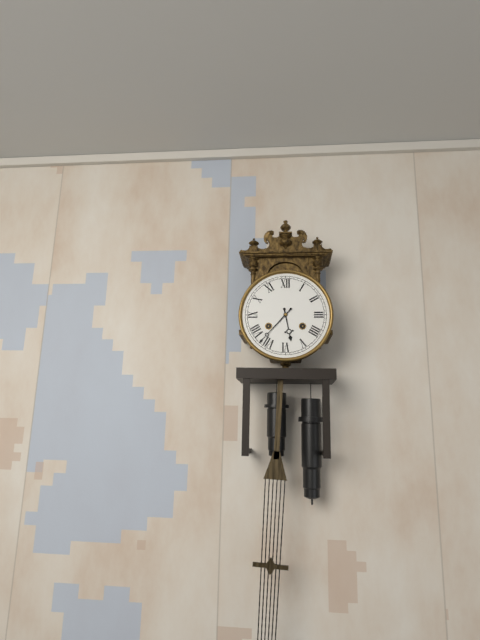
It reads h=5 m=37
